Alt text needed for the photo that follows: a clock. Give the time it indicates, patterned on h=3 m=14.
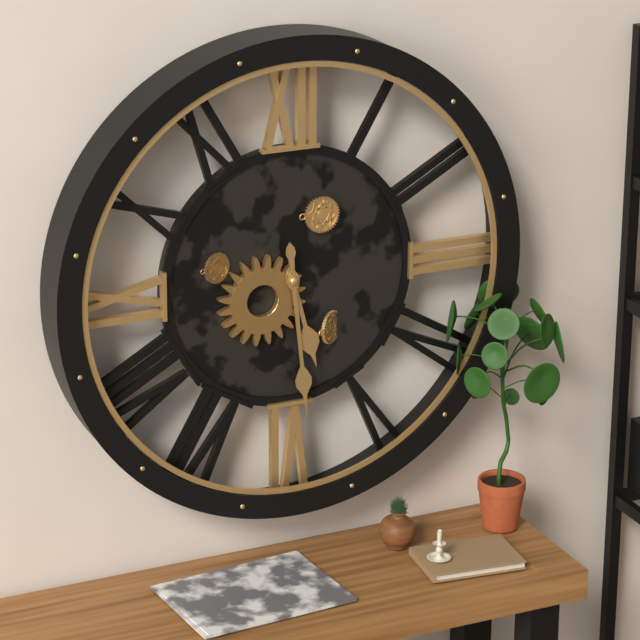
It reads h=5 m=29
